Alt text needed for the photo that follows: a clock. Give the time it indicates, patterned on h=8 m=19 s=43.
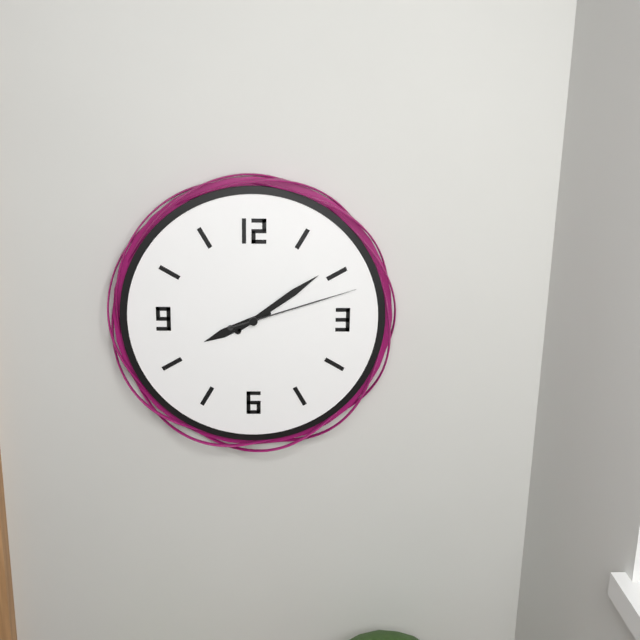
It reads h=8 m=9 s=12
